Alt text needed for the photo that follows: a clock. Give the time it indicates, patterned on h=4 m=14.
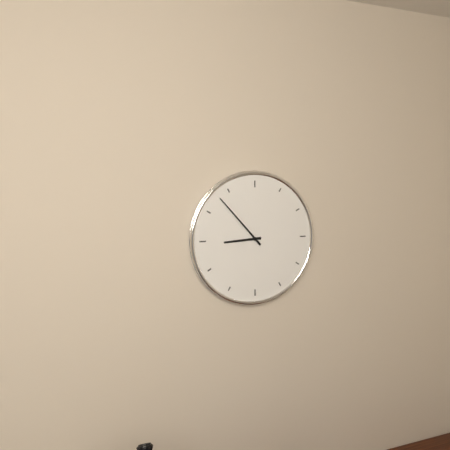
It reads h=8 m=53
